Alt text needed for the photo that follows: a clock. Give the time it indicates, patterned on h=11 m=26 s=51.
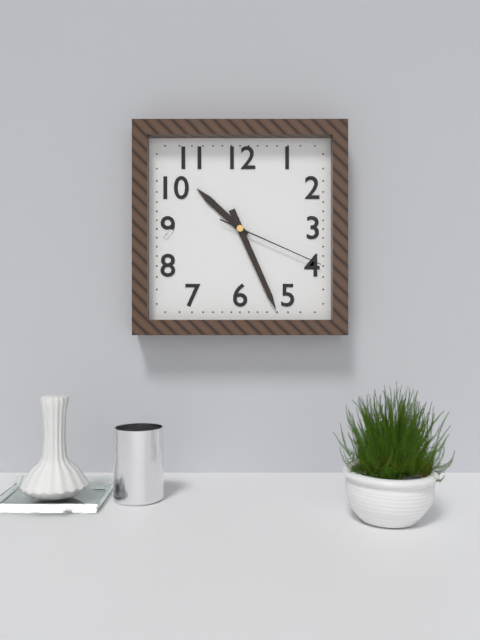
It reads h=10 m=26 s=19
